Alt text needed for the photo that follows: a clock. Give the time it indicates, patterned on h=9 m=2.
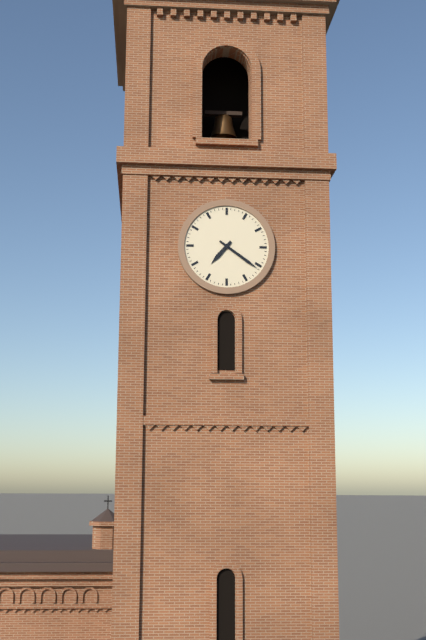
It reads h=7 m=21
